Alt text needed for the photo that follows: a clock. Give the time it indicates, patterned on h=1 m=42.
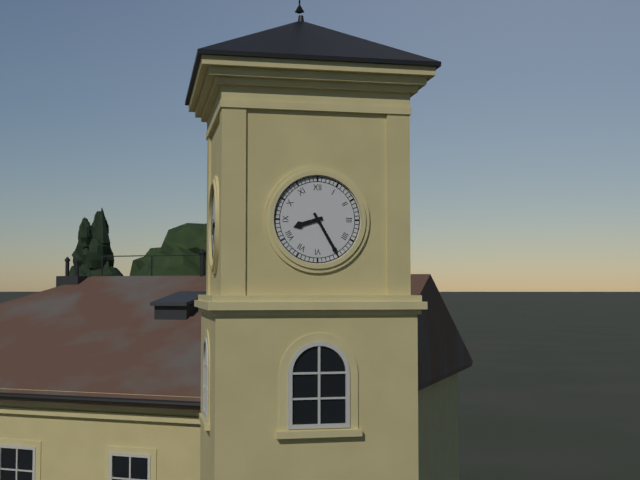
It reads h=8 m=25
